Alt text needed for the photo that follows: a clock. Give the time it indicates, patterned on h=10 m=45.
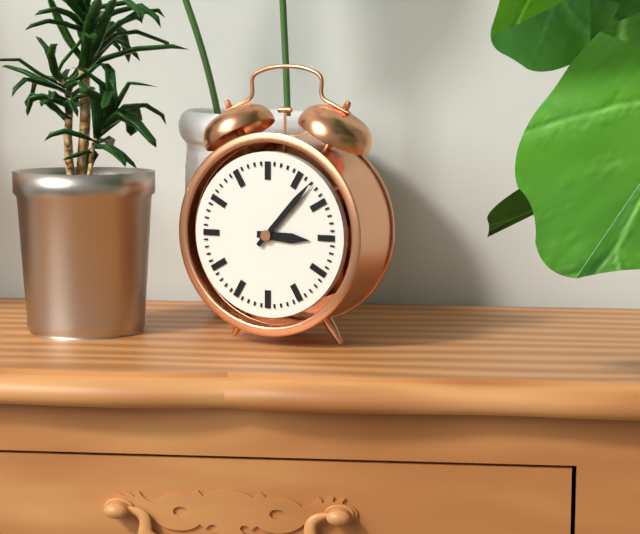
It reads h=3 m=7
